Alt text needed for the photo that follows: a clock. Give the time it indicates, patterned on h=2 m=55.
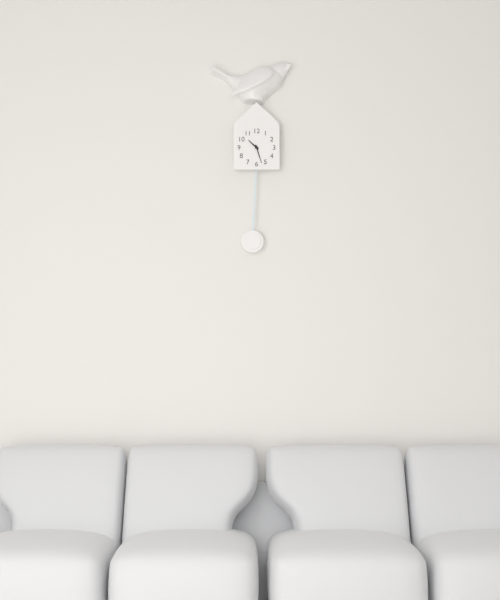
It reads h=10 m=27
